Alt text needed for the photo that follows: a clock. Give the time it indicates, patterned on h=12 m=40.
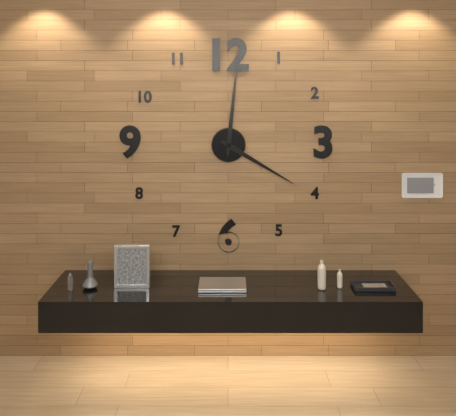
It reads h=4 m=1
